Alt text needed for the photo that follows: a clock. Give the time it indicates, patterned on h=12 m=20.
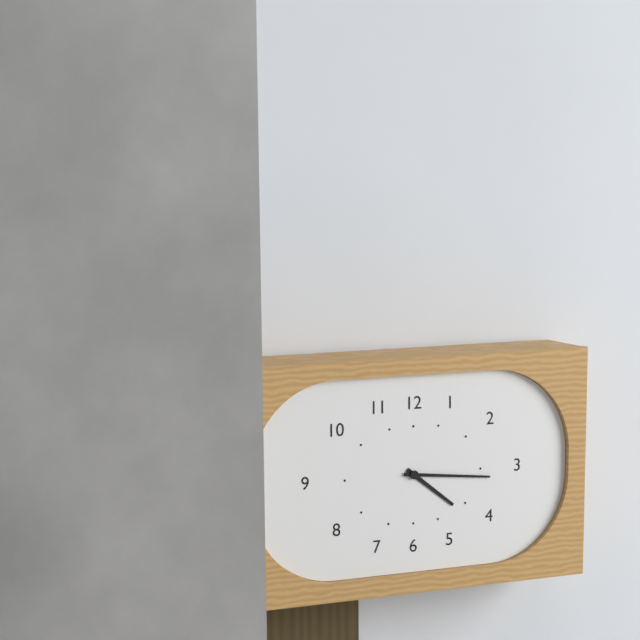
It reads h=4 m=16
